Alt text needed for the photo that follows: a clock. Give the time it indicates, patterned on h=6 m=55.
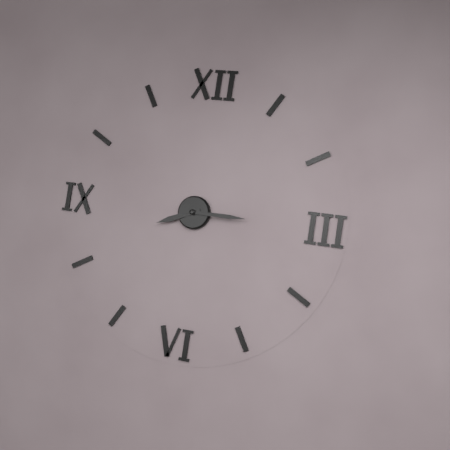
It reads h=8 m=15
